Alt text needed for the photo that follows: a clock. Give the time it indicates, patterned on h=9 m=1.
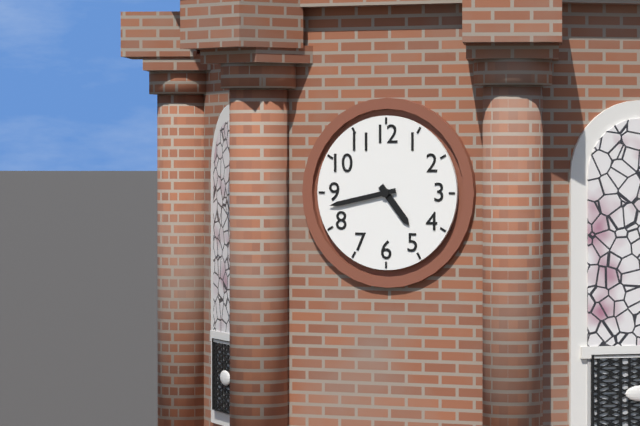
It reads h=4 m=43
